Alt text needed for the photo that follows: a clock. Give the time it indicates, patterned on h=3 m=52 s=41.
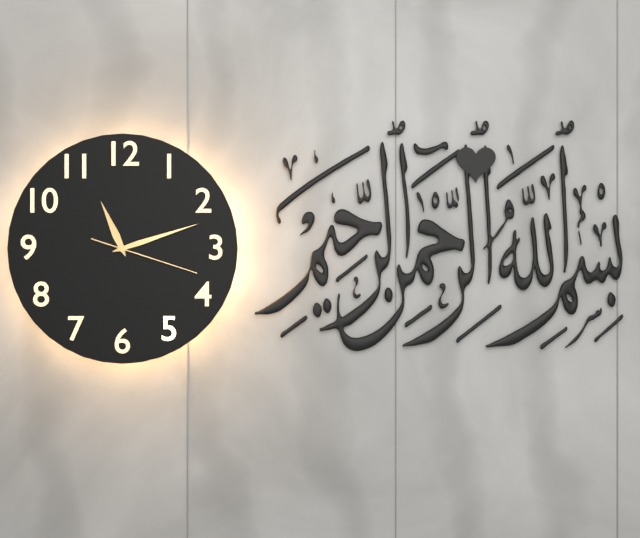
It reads h=11 m=12 s=18
